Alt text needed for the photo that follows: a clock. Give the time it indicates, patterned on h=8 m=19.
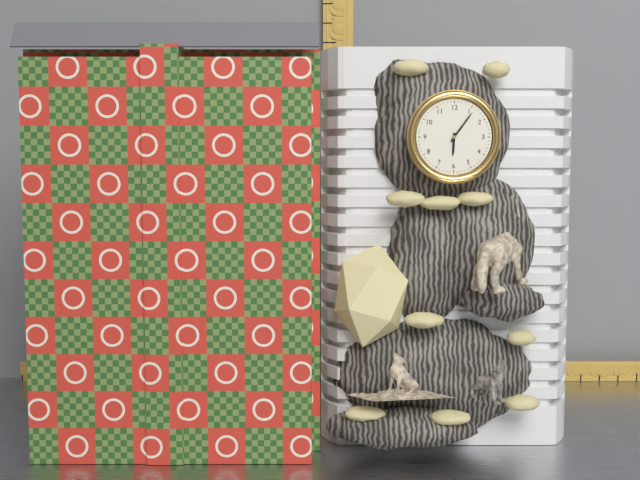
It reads h=6 m=6
